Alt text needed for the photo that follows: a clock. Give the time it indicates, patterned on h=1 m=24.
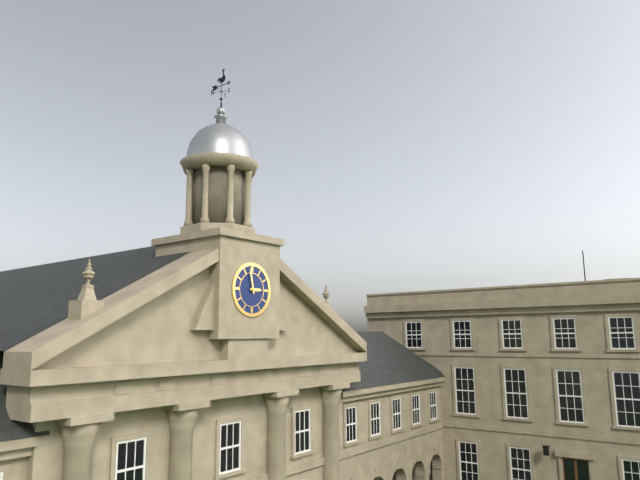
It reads h=2 m=58
